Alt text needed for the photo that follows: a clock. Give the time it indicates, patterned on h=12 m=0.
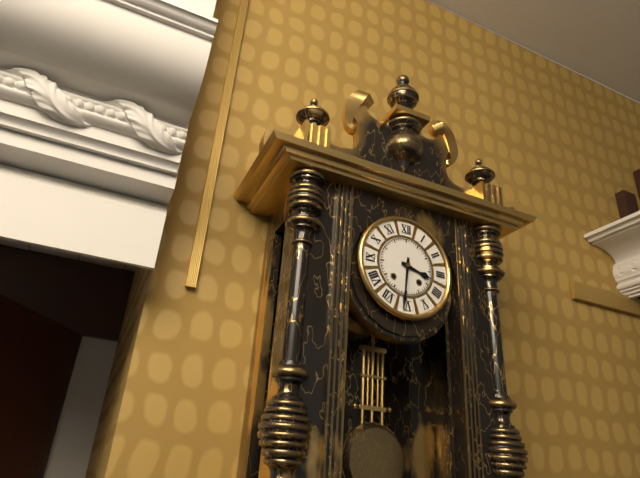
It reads h=3 m=31
